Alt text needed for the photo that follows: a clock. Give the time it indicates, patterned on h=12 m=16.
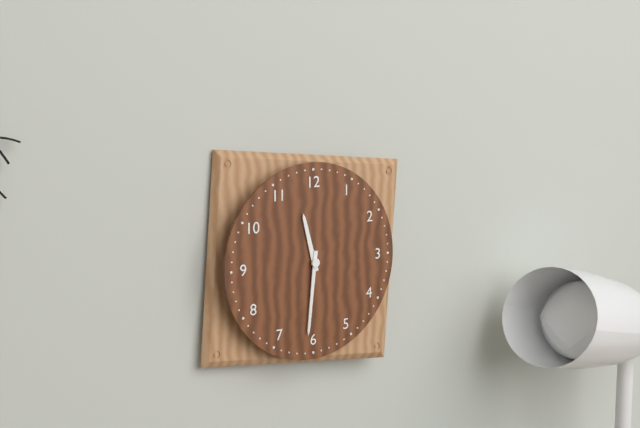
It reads h=11 m=31
